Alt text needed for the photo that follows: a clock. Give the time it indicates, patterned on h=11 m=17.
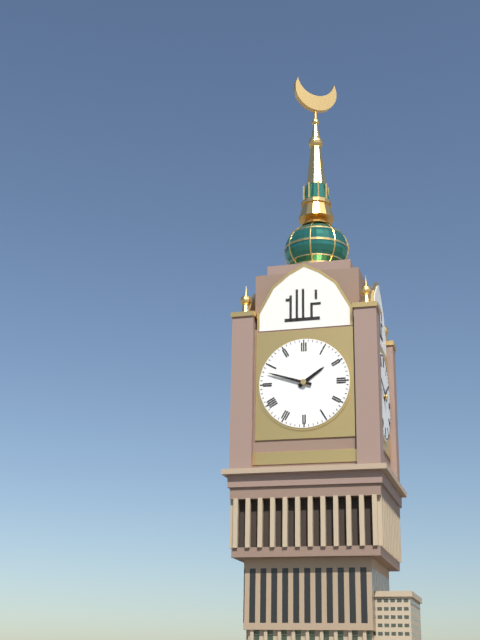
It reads h=1 m=48
